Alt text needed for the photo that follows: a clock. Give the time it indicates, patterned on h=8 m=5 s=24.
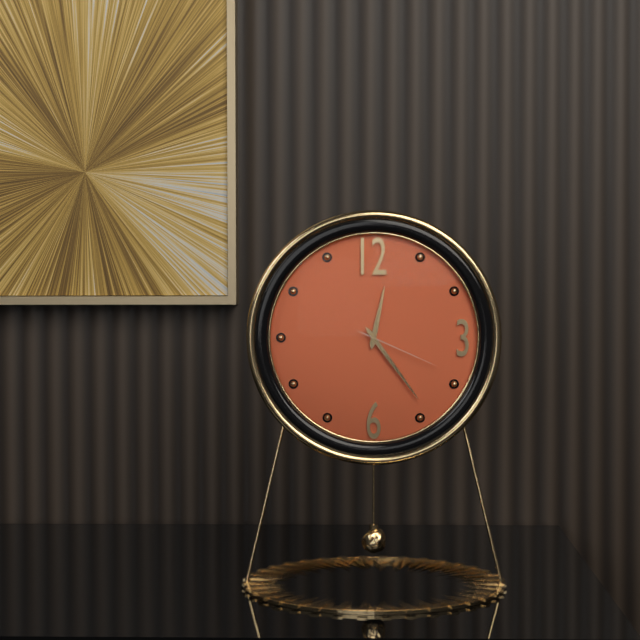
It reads h=12 m=24 s=19
